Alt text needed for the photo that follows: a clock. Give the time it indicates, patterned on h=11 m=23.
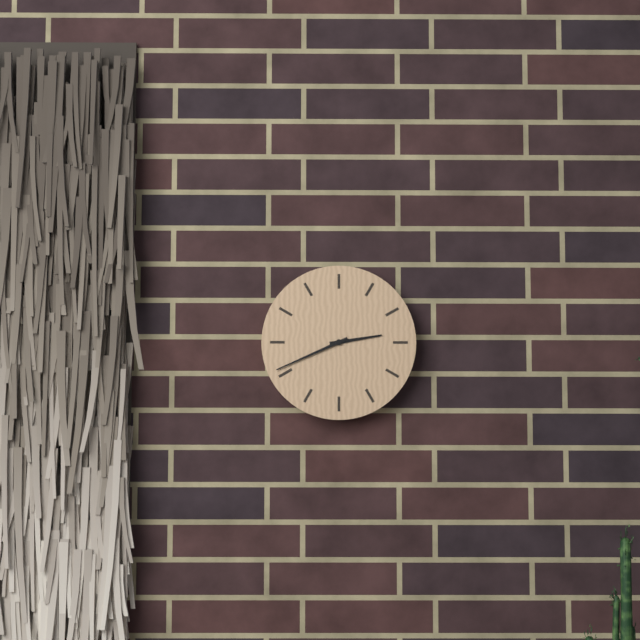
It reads h=2 m=41
